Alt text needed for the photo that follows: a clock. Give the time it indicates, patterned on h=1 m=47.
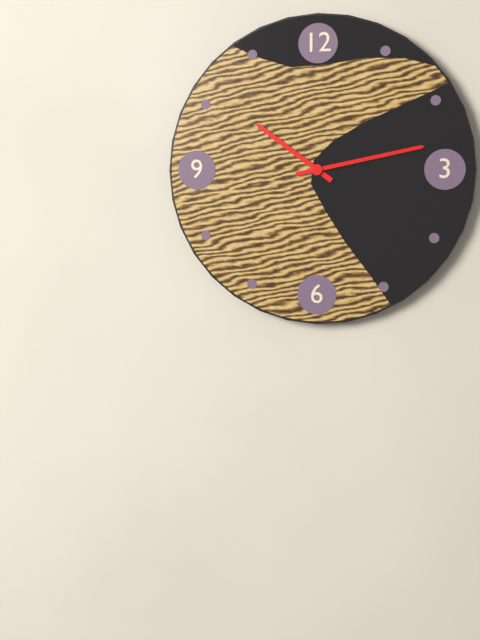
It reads h=10 m=13
